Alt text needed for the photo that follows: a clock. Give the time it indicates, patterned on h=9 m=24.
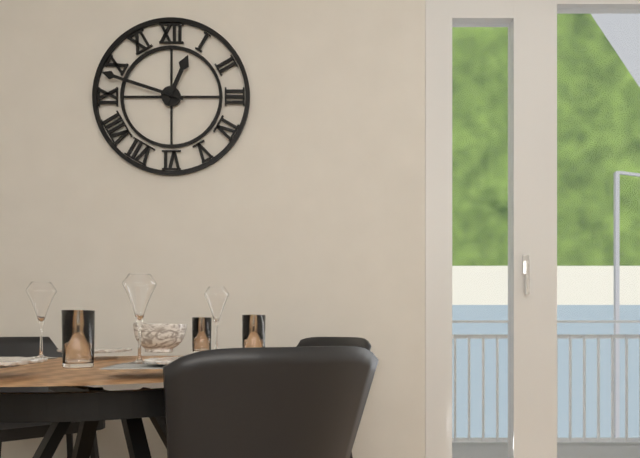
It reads h=12 m=48
